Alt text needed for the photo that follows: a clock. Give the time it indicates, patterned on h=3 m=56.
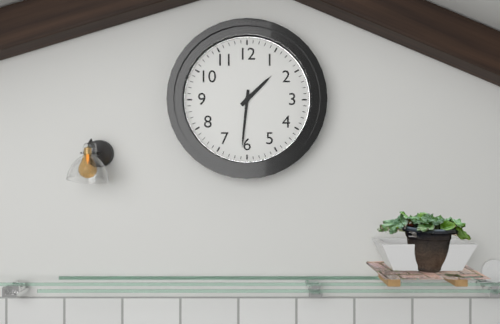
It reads h=1 m=31
